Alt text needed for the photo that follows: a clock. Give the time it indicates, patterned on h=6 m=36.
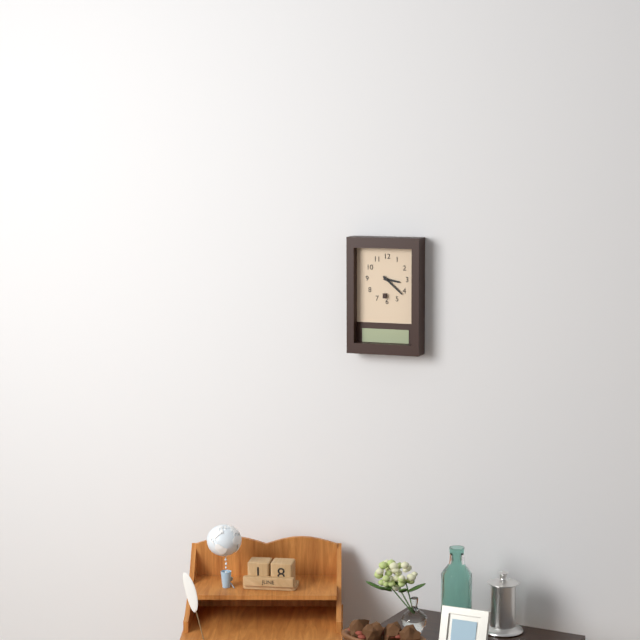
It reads h=3 m=22
